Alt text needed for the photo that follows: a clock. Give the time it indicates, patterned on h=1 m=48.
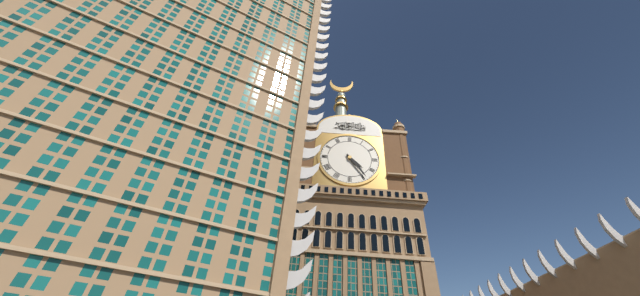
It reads h=4 m=24
